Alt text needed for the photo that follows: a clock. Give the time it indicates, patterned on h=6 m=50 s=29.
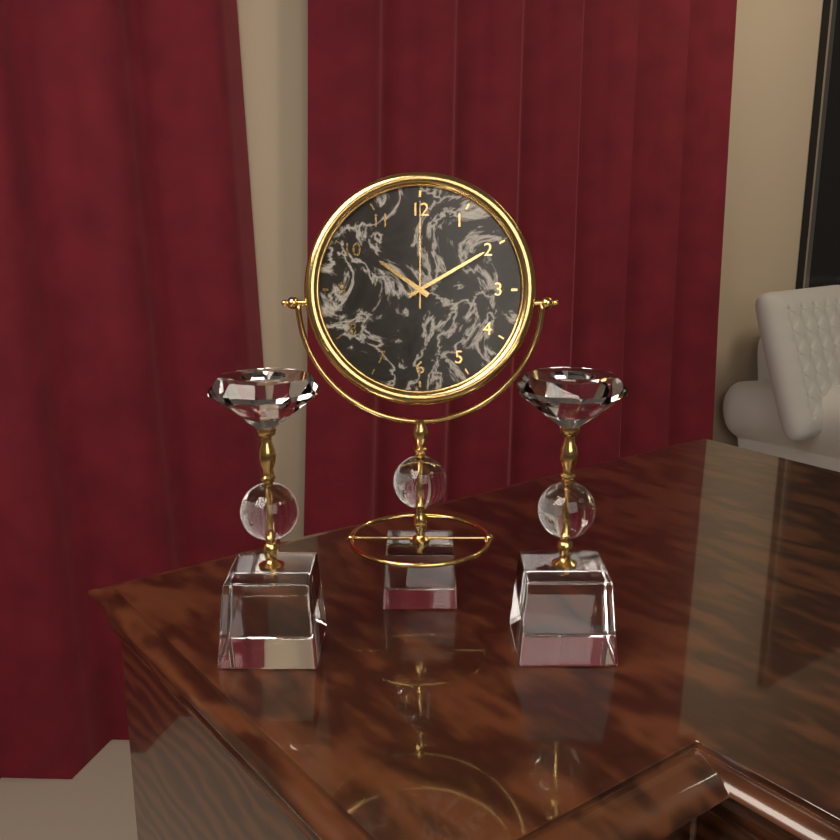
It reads h=10 m=10 s=0
